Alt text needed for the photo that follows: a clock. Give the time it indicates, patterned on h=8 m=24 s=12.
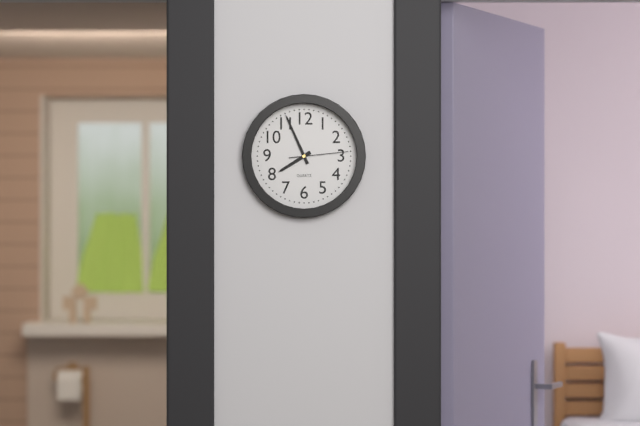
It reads h=7 m=56 s=14
